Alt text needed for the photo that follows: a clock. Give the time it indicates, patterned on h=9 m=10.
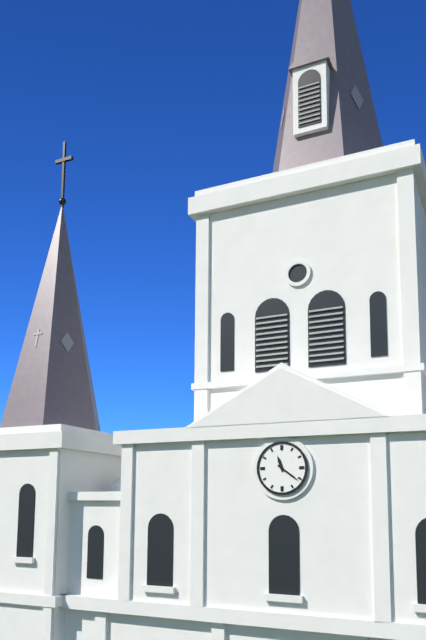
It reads h=11 m=21
